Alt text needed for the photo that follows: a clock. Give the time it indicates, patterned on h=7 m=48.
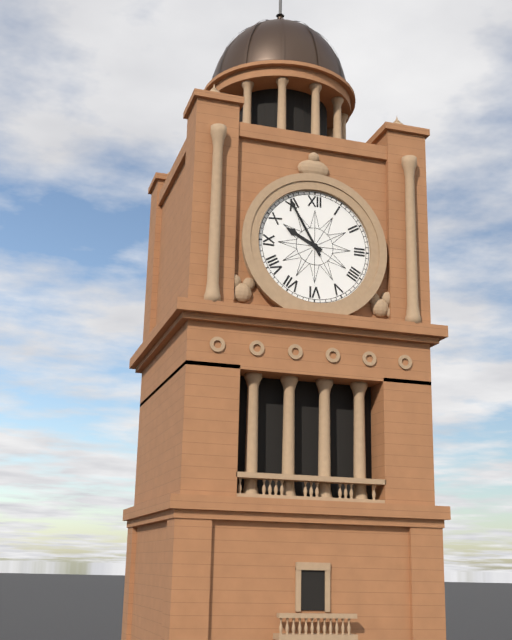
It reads h=9 m=55
